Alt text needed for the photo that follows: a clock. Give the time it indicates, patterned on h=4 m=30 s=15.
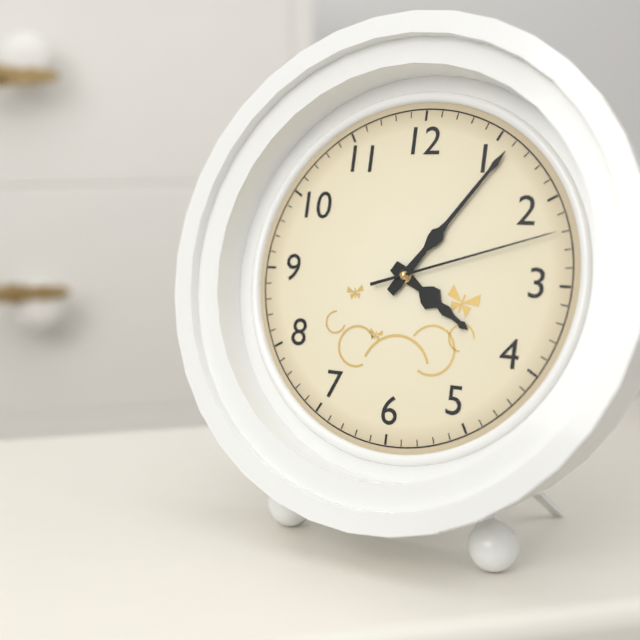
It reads h=4 m=6 s=12
